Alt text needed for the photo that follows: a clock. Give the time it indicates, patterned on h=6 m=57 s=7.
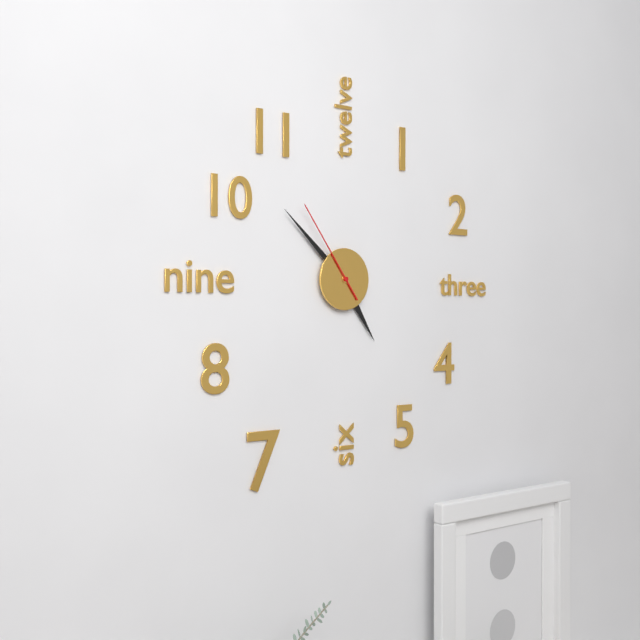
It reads h=4 m=52 s=54
